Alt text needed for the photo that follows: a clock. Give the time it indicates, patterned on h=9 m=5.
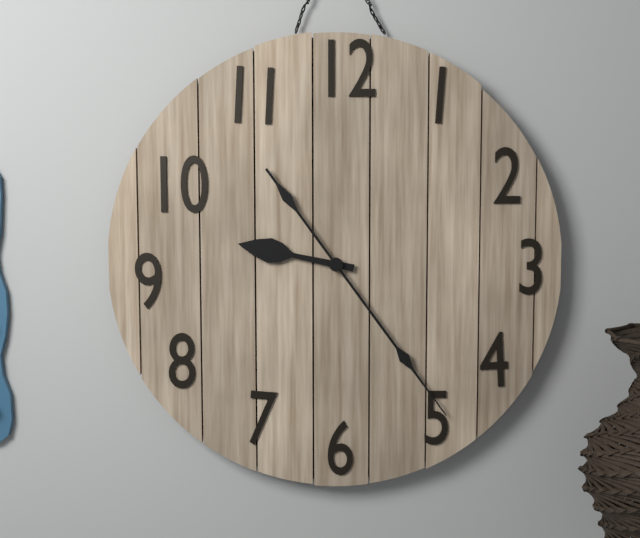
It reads h=9 m=24
